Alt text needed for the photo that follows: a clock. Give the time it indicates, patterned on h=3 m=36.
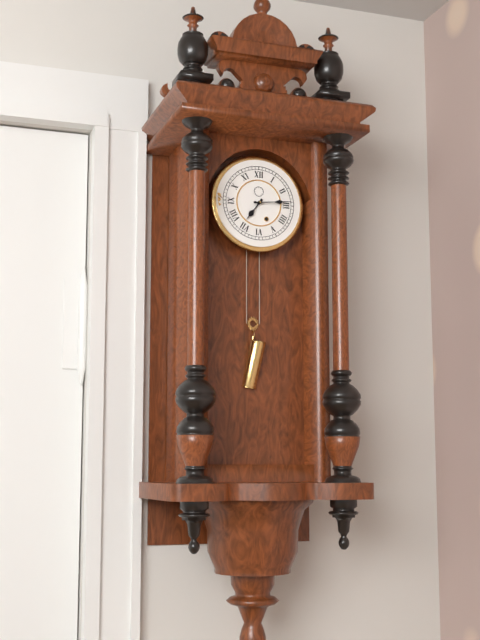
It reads h=7 m=14
